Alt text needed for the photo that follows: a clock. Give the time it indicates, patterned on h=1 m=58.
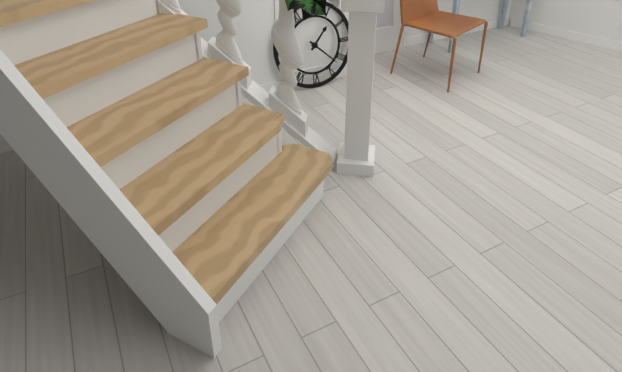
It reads h=1 m=22
